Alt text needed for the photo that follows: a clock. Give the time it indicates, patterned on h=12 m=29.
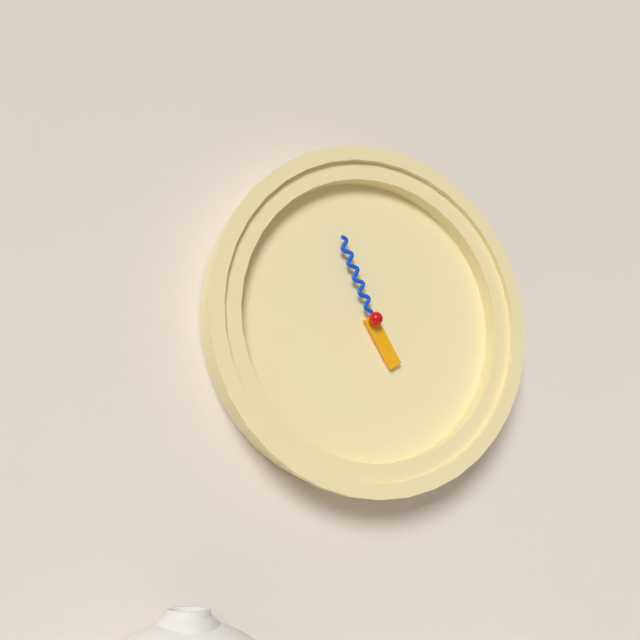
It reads h=4 m=56
